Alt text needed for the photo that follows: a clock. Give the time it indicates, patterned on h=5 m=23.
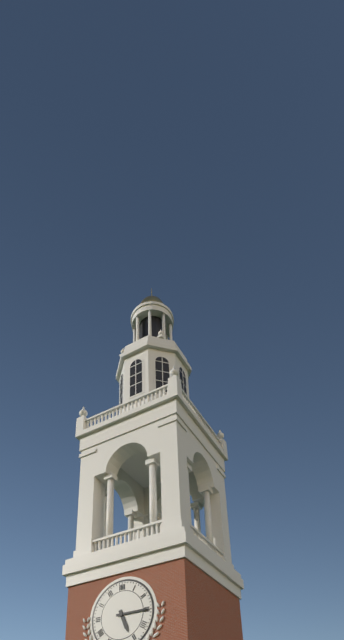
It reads h=5 m=15
